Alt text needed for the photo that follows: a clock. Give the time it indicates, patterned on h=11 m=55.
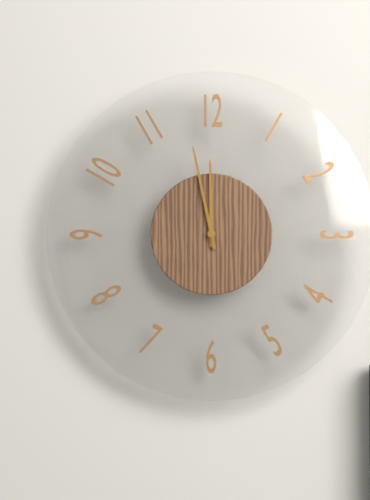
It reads h=11 m=58
